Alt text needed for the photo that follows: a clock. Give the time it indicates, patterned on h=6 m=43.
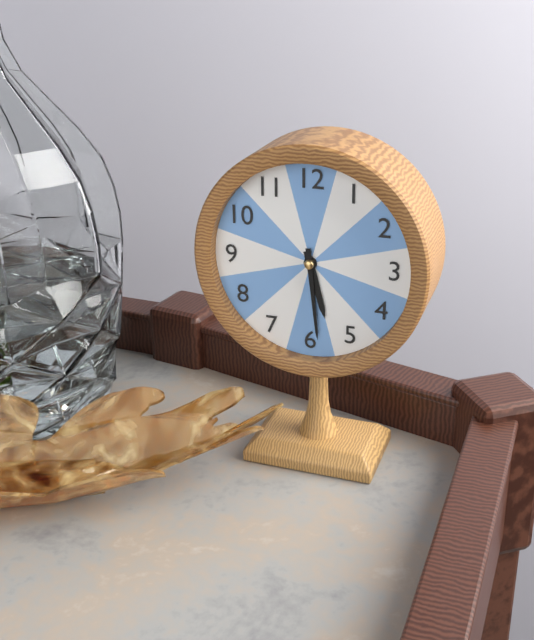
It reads h=5 m=29
